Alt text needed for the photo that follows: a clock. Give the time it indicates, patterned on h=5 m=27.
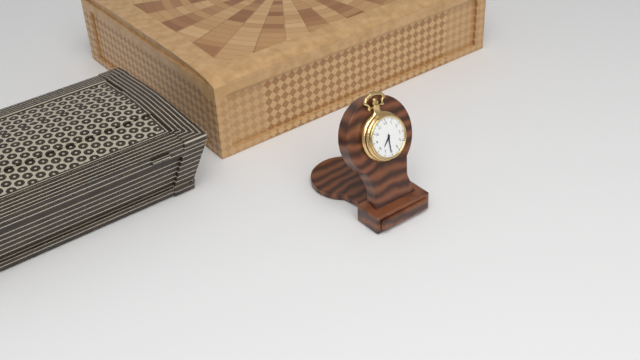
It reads h=7 m=31
